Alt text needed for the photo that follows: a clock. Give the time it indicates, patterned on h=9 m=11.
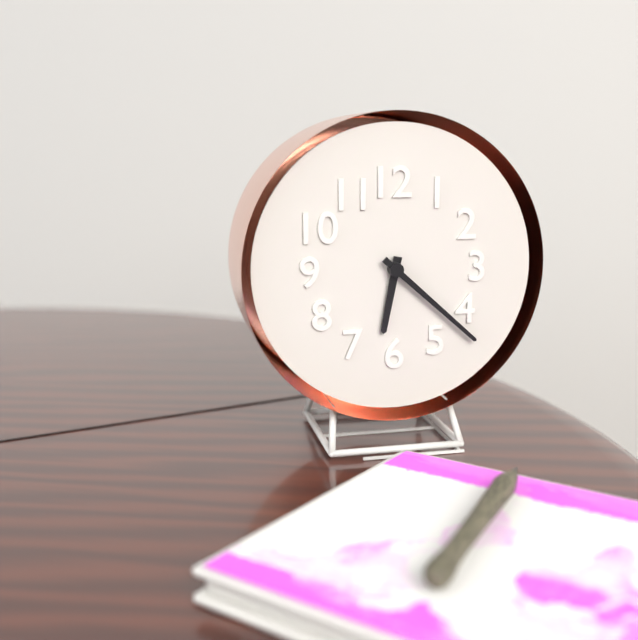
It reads h=6 m=22
